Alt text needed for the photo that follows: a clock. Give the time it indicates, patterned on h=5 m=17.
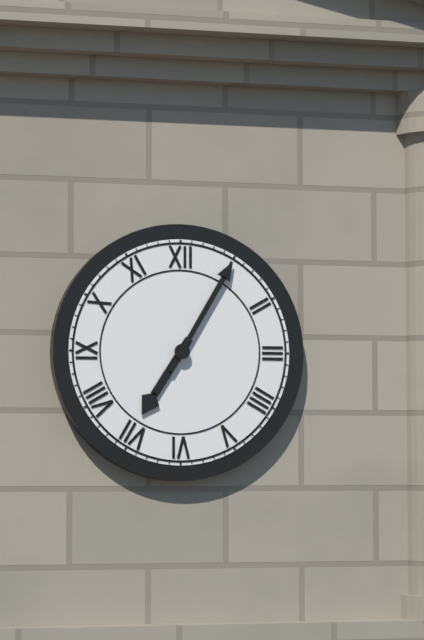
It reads h=7 m=5
